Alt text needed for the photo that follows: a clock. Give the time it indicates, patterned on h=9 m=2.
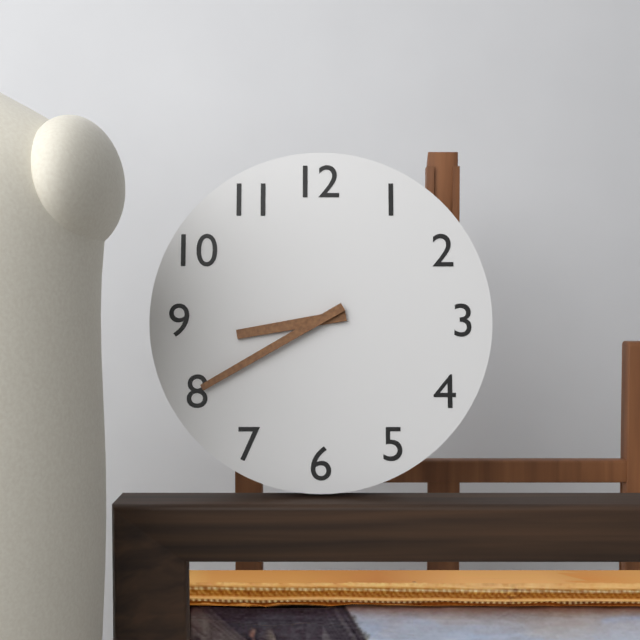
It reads h=8 m=40
